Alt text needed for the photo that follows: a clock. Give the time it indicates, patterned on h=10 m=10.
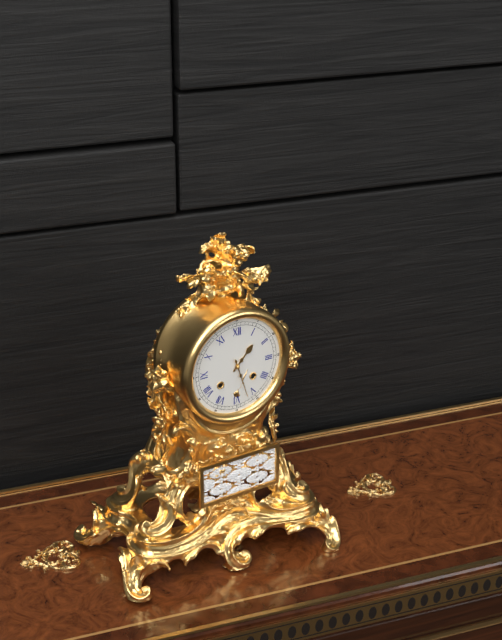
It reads h=1 m=27
